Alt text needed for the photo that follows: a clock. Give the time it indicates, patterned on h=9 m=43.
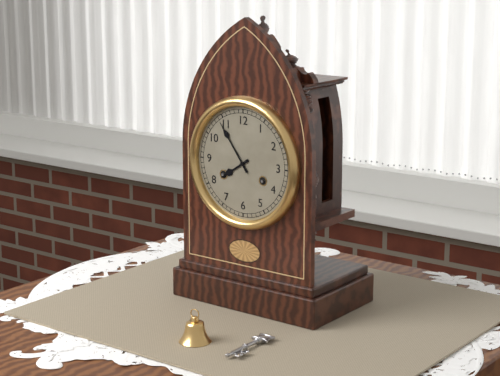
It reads h=7 m=54
